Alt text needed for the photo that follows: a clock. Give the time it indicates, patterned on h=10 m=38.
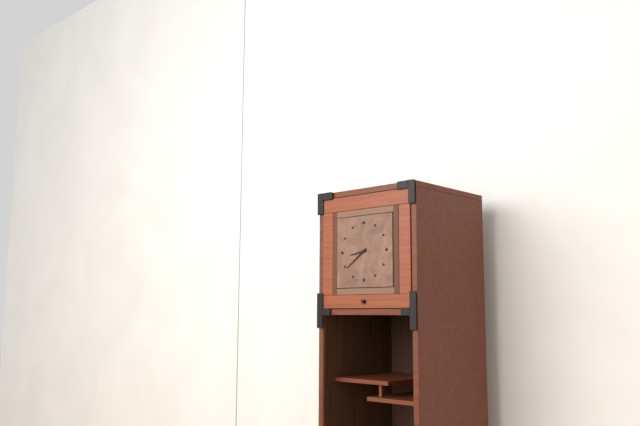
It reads h=8 m=39
